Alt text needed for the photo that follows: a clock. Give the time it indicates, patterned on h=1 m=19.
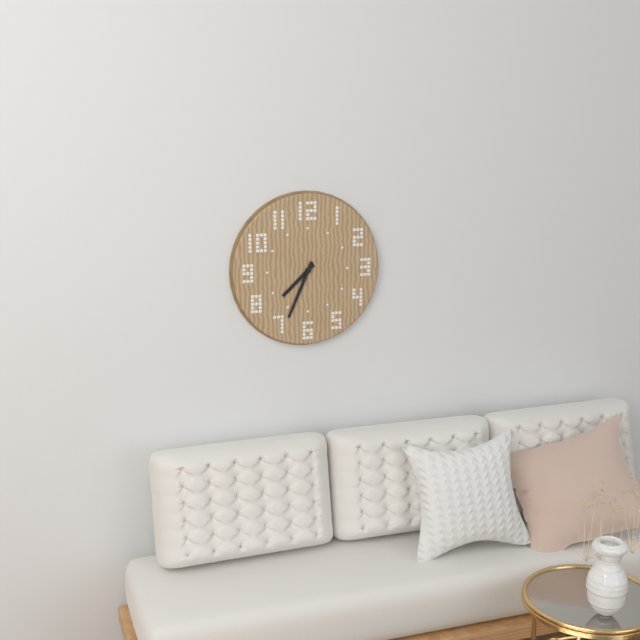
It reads h=7 m=34
